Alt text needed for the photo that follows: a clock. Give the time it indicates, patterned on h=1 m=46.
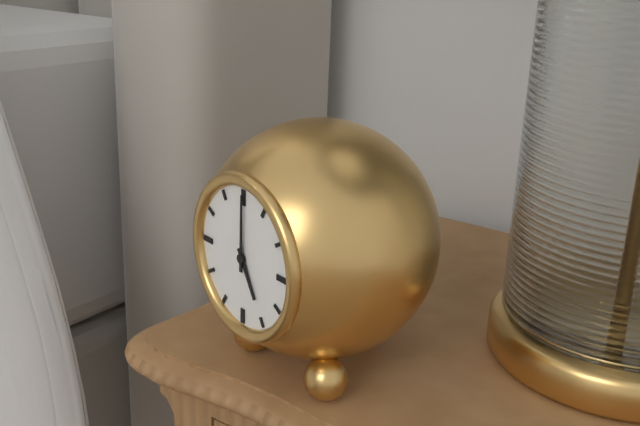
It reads h=5 m=0
